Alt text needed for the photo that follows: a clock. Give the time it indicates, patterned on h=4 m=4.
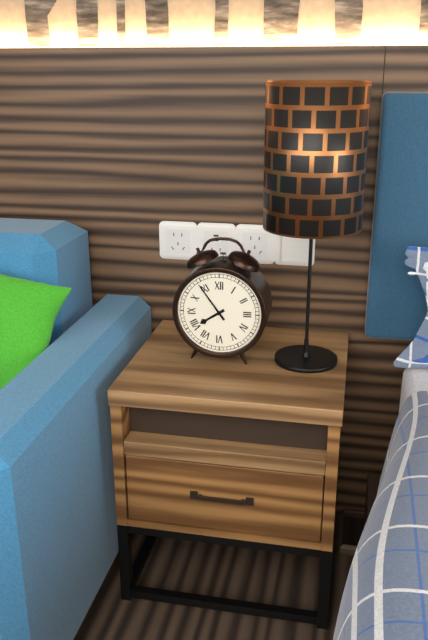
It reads h=7 m=54
